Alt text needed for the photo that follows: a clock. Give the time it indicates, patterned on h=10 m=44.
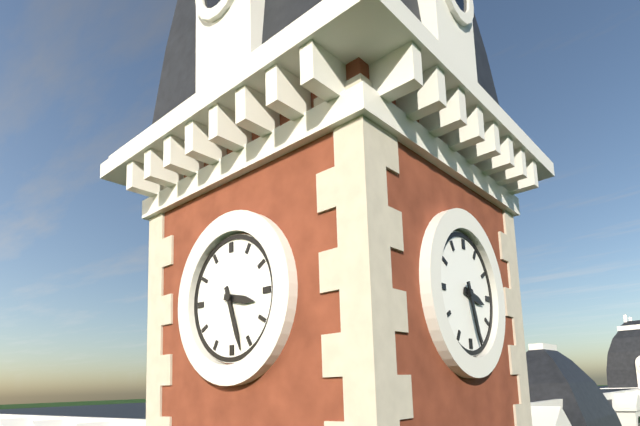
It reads h=3 m=27
